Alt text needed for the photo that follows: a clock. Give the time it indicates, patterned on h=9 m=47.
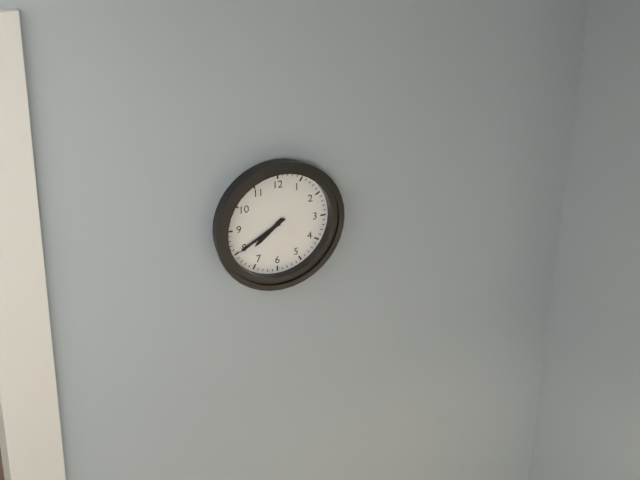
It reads h=7 m=40
